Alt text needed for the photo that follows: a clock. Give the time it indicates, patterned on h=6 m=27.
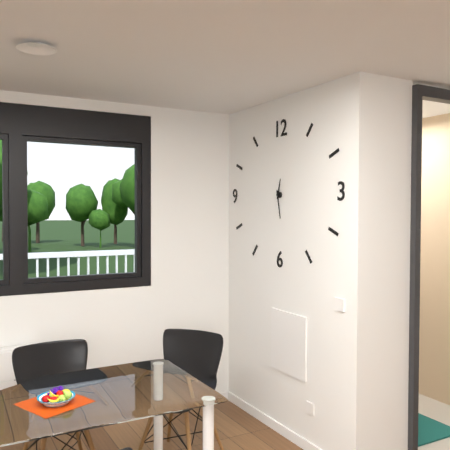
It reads h=12 m=28
